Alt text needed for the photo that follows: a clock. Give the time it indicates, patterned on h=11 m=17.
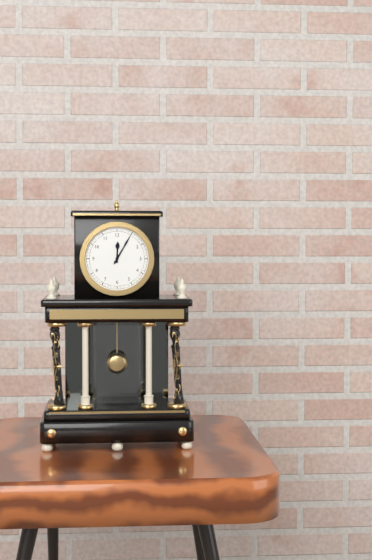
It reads h=12 m=5
